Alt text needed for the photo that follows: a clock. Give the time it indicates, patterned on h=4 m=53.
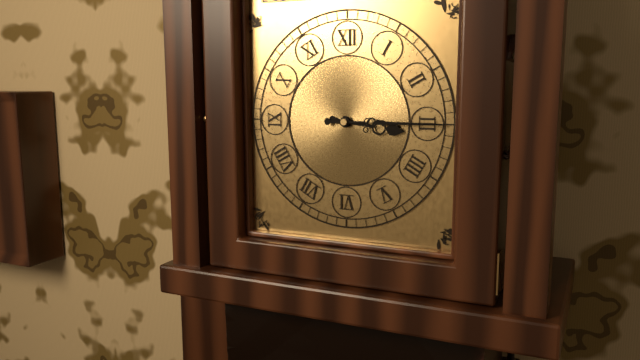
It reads h=3 m=15
